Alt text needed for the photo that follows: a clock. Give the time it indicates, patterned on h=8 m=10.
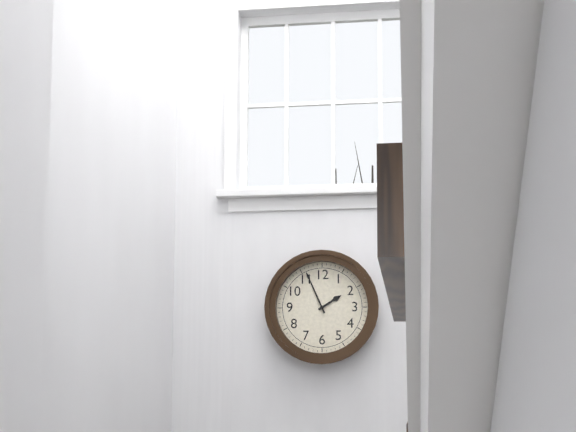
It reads h=1 m=56
